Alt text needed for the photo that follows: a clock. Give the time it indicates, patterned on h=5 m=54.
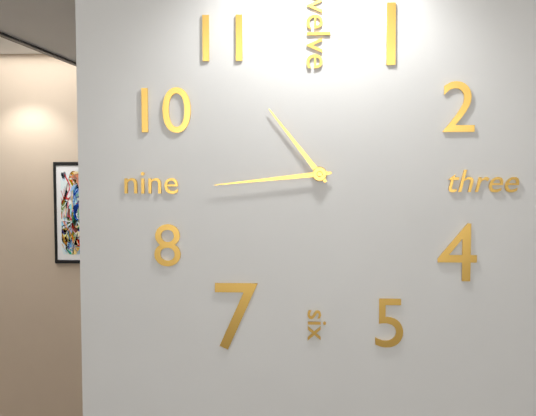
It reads h=10 m=44
